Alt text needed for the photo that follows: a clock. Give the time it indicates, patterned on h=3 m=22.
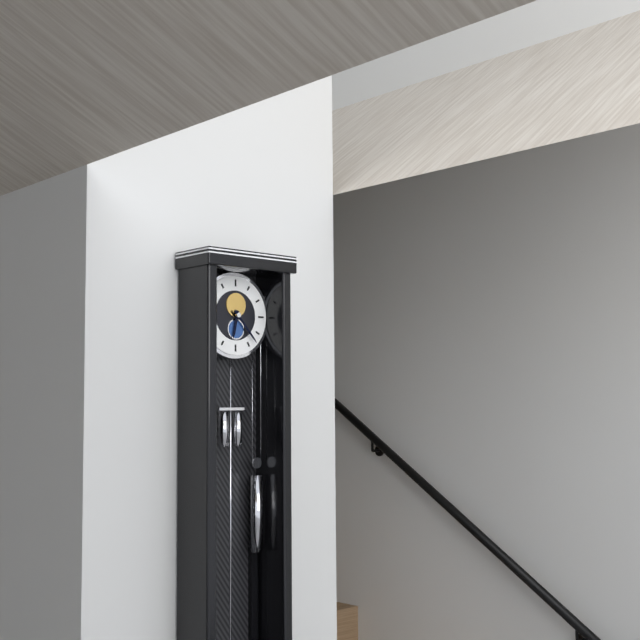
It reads h=6 m=23
